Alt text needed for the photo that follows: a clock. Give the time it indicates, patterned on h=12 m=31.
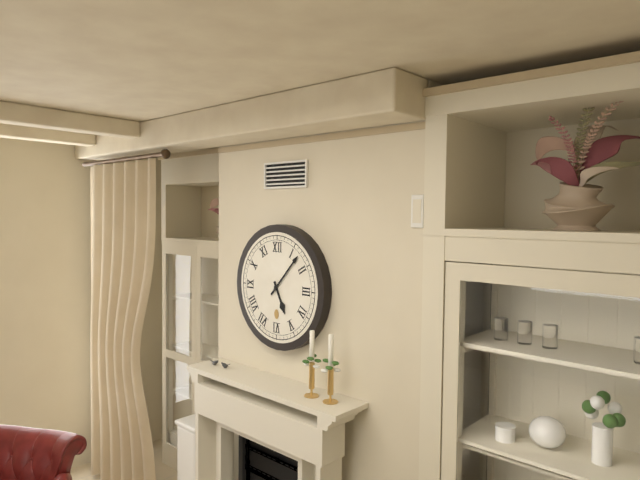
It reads h=5 m=7
